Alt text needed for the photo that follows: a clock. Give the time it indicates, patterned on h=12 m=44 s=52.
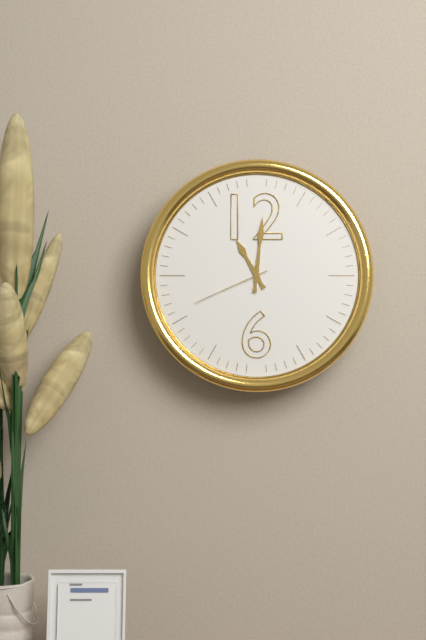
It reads h=11 m=1 s=41
